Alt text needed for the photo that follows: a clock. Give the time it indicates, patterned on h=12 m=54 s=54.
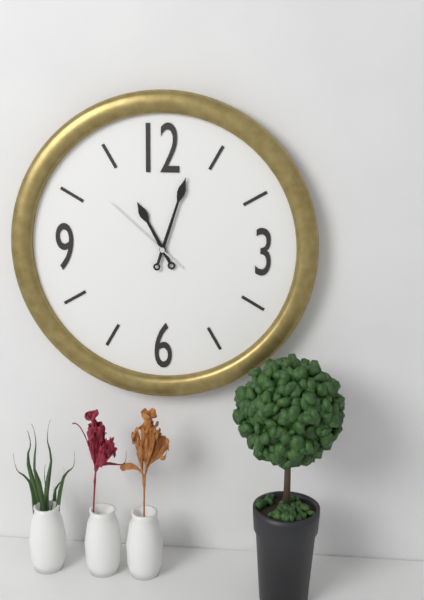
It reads h=11 m=3 s=52
